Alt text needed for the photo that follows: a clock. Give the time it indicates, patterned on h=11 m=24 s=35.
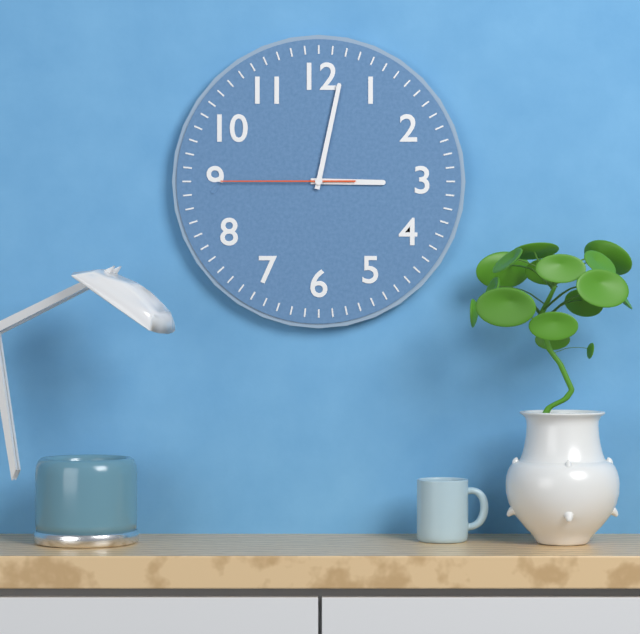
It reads h=3 m=2 s=45
